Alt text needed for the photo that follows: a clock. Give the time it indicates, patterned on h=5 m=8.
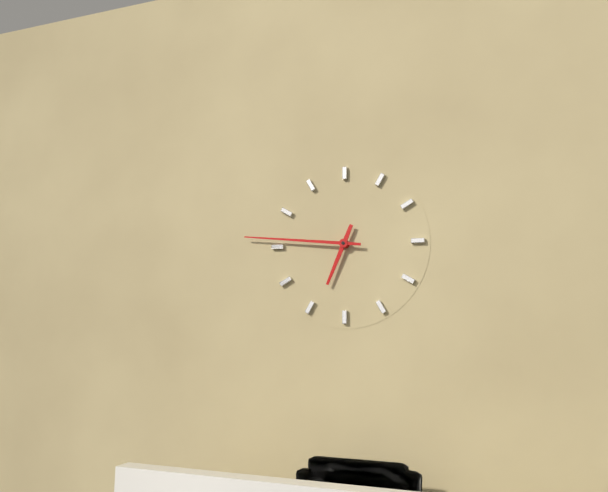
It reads h=6 m=46
